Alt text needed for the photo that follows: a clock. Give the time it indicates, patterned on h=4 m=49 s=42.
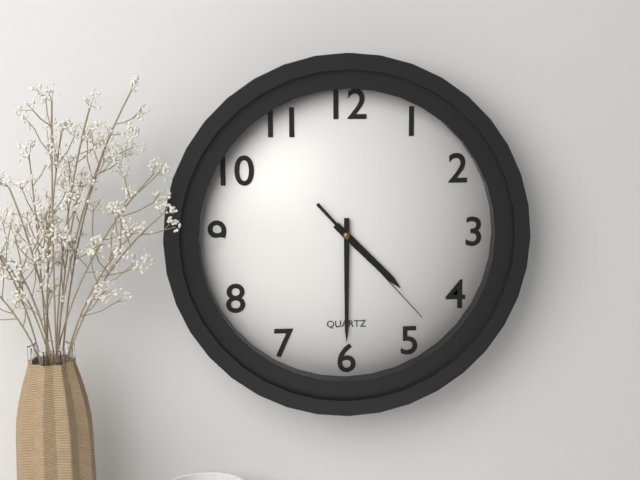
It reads h=4 m=30 s=23
